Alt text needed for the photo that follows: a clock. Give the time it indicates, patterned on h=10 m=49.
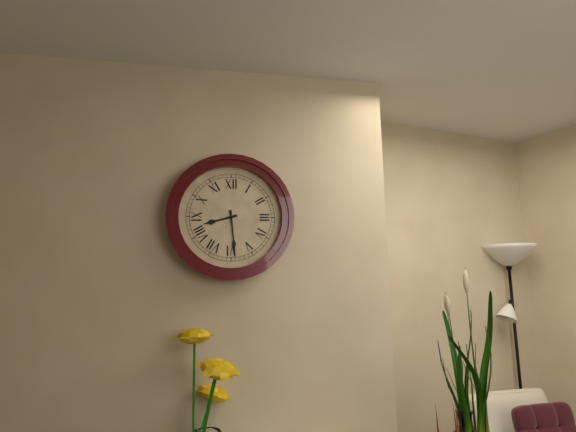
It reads h=8 m=29
